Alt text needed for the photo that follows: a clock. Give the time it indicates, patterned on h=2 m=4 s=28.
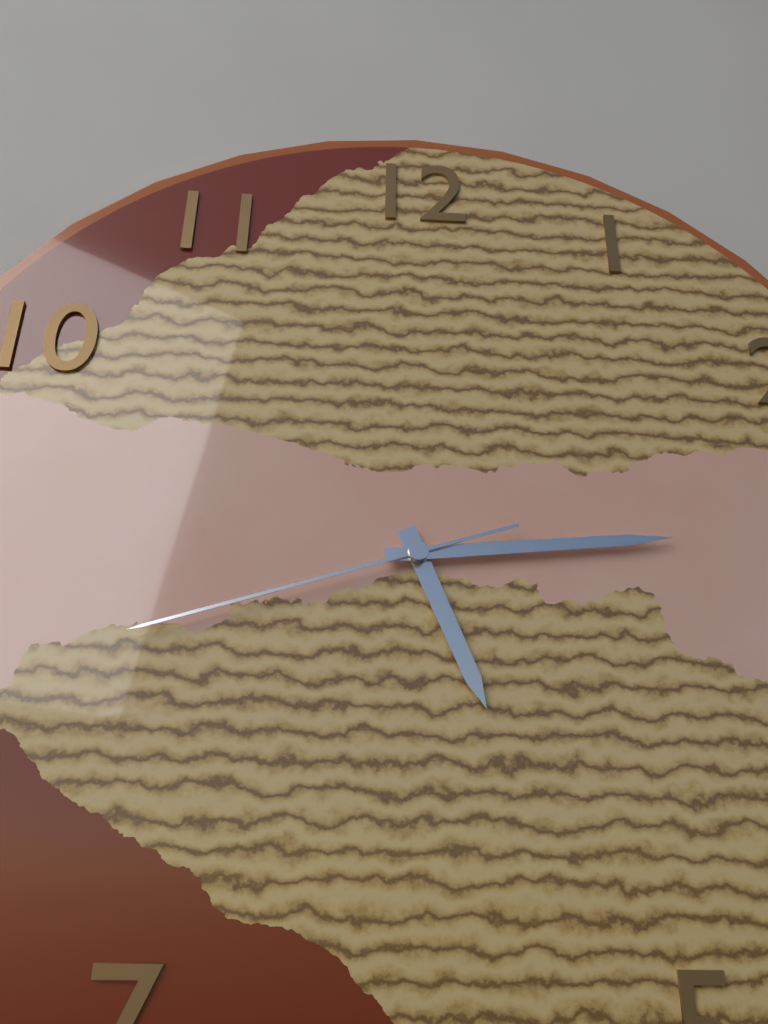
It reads h=5 m=14 s=42
